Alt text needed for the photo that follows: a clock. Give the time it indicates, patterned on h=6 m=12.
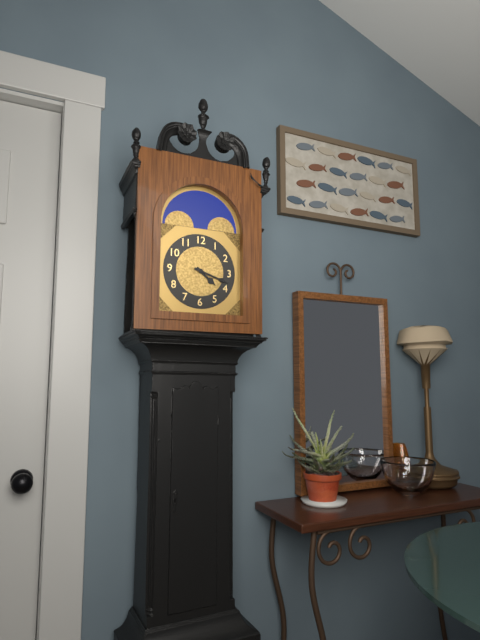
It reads h=4 m=18
